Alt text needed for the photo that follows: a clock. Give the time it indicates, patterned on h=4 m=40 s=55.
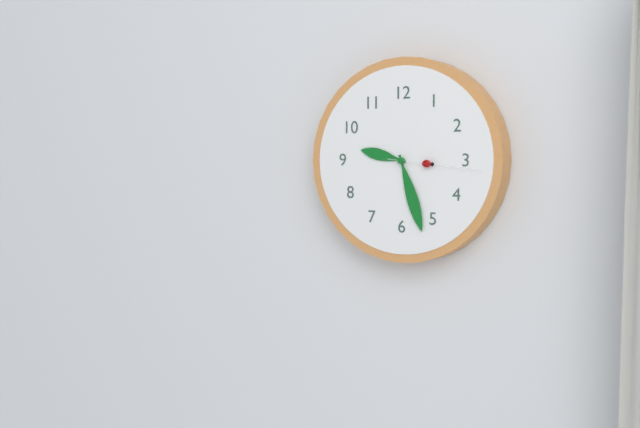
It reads h=9 m=27 s=16
